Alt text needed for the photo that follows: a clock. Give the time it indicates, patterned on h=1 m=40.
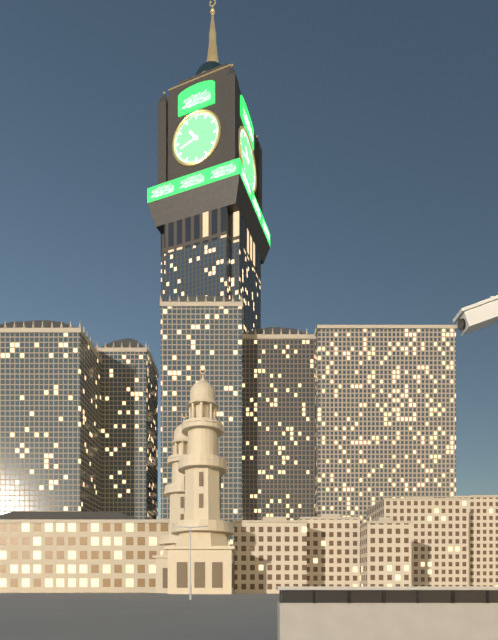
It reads h=10 m=42
